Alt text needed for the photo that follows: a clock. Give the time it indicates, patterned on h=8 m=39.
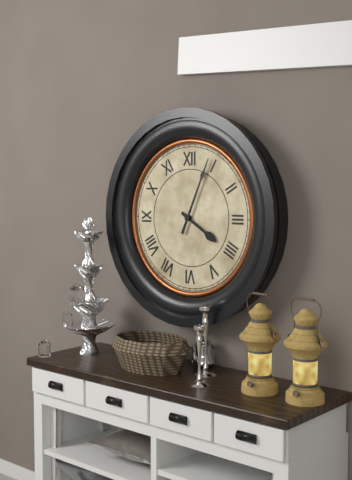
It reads h=4 m=4
